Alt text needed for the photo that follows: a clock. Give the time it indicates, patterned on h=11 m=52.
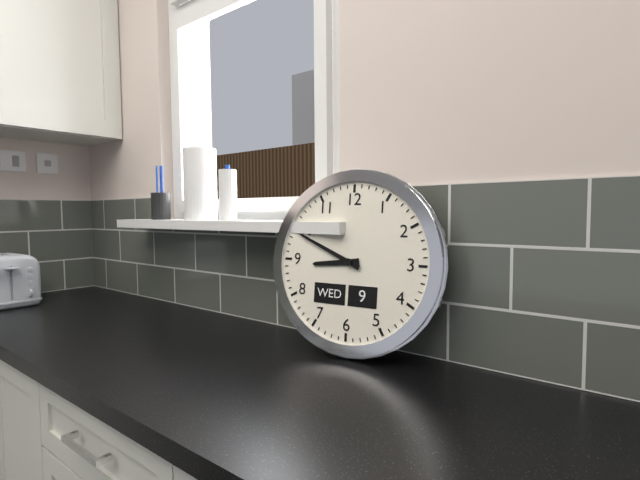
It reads h=8 m=49
